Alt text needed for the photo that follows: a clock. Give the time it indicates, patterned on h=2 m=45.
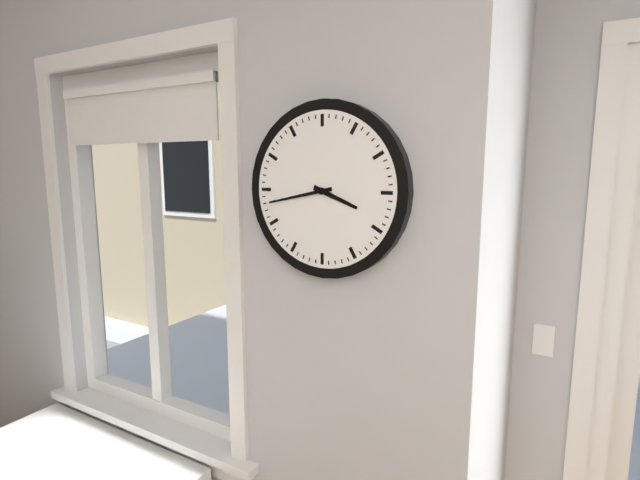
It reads h=3 m=43
